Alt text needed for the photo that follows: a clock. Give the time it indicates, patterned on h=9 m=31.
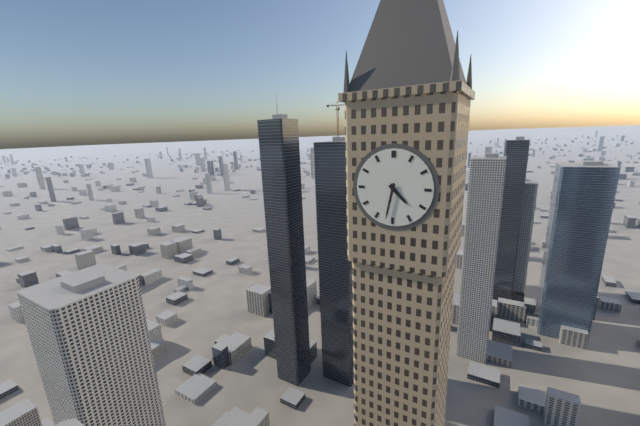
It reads h=4 m=32
